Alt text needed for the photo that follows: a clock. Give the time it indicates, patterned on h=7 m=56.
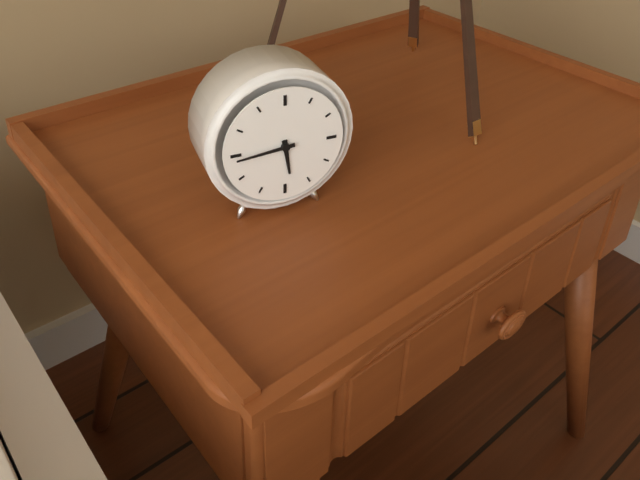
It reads h=5 m=44
